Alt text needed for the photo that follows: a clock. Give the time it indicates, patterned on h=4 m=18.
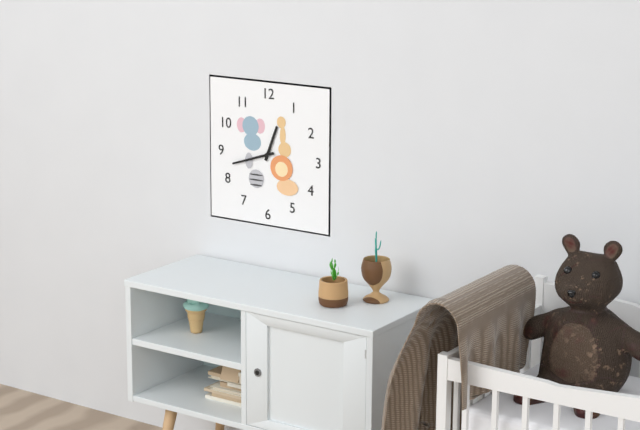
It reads h=12 m=42
